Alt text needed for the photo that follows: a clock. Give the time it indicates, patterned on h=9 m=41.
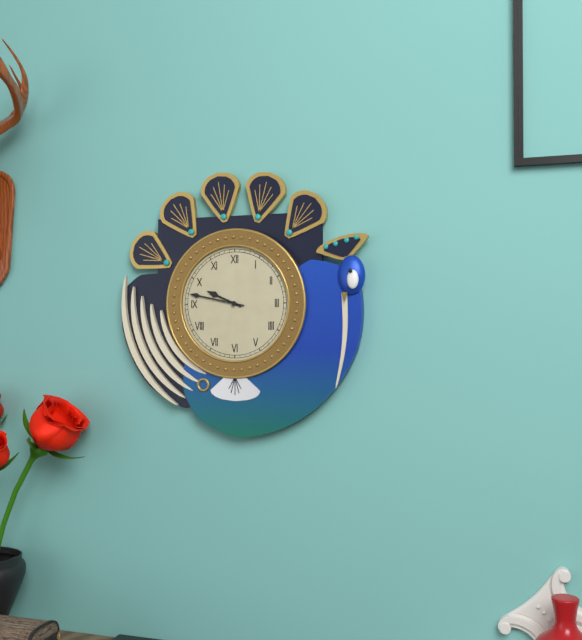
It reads h=9 m=47
